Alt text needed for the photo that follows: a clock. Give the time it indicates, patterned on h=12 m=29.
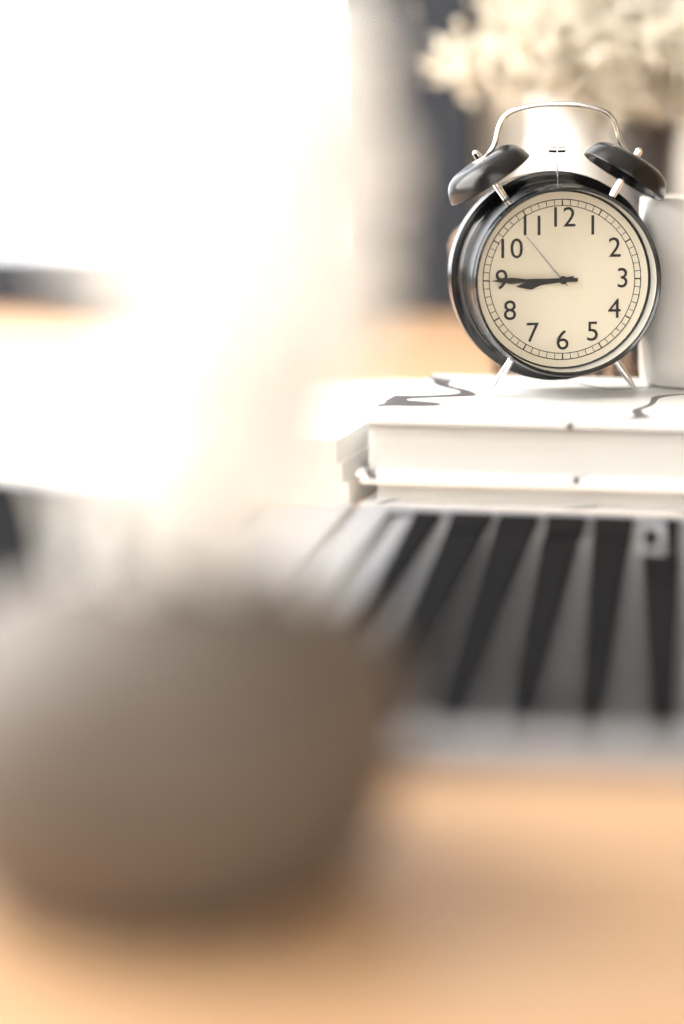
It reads h=8 m=45
